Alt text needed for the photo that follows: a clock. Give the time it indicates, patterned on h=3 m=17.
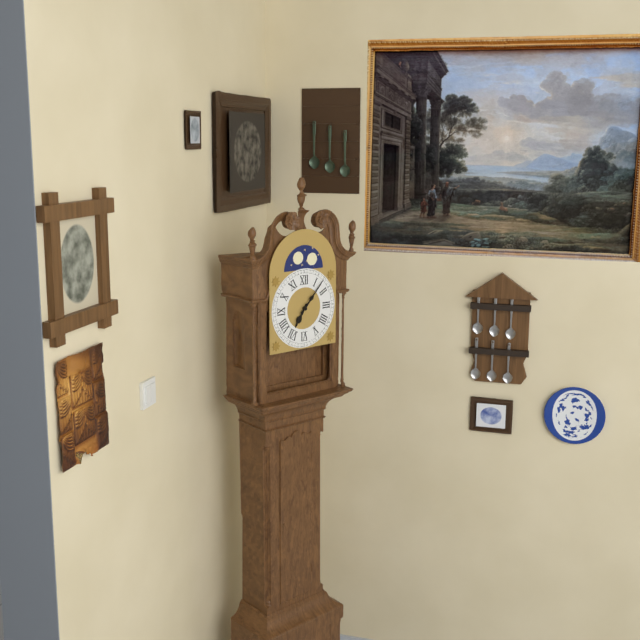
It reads h=7 m=7
